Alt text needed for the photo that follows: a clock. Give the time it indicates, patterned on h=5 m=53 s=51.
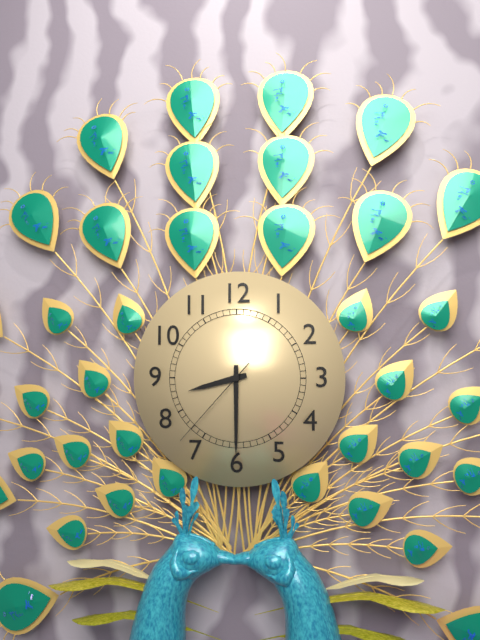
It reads h=8 m=30 s=37
